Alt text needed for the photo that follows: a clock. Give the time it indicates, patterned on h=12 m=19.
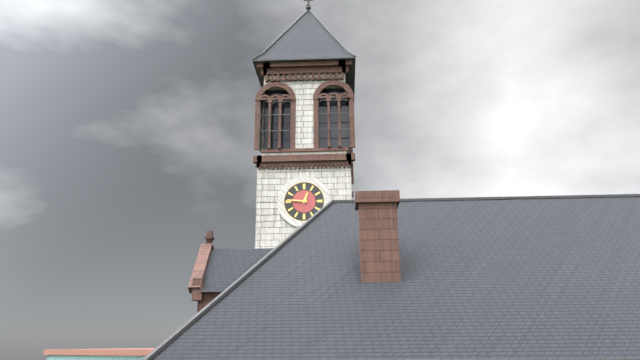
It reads h=12 m=46
